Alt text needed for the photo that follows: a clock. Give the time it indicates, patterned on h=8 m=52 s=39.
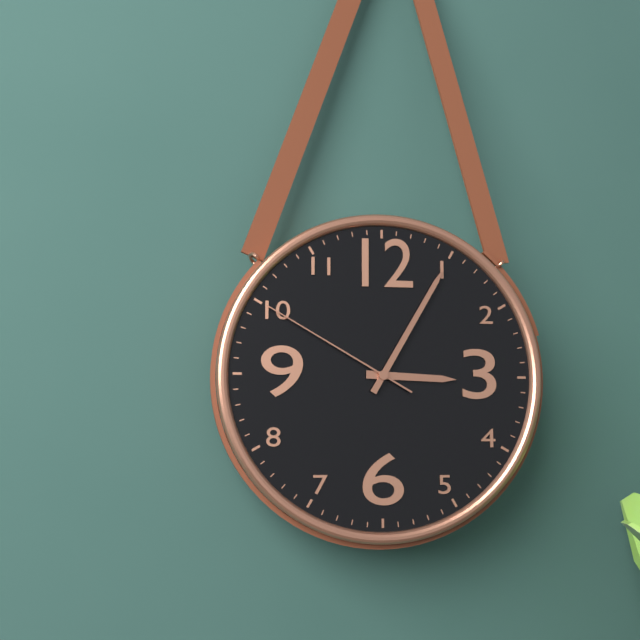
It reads h=3 m=5 s=50
